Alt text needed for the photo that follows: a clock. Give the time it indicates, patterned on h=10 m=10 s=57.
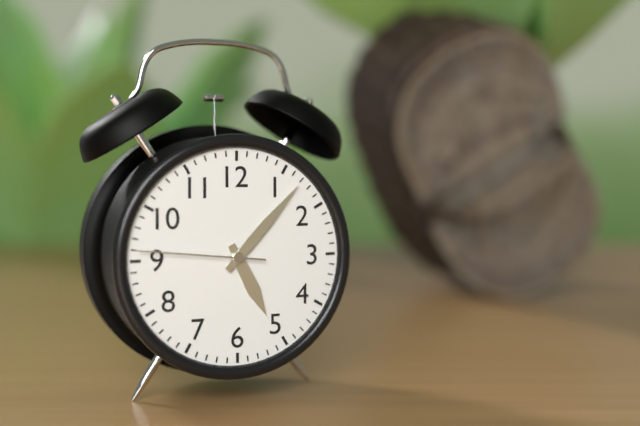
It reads h=5 m=7 s=46
